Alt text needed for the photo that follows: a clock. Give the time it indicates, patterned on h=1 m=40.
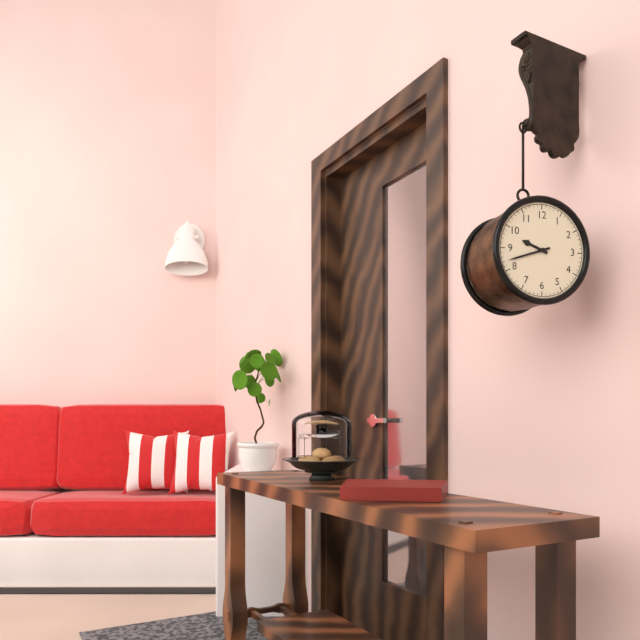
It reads h=9 m=42
